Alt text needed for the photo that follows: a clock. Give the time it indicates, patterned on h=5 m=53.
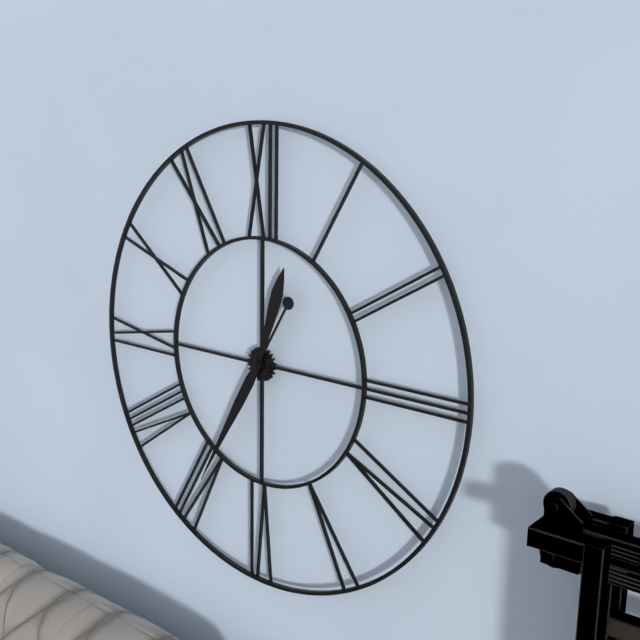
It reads h=12 m=35
